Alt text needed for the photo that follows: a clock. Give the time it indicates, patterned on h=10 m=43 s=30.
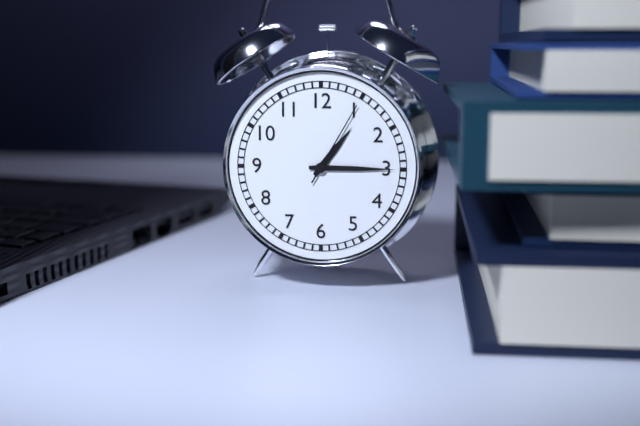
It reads h=1 m=15 s=5
